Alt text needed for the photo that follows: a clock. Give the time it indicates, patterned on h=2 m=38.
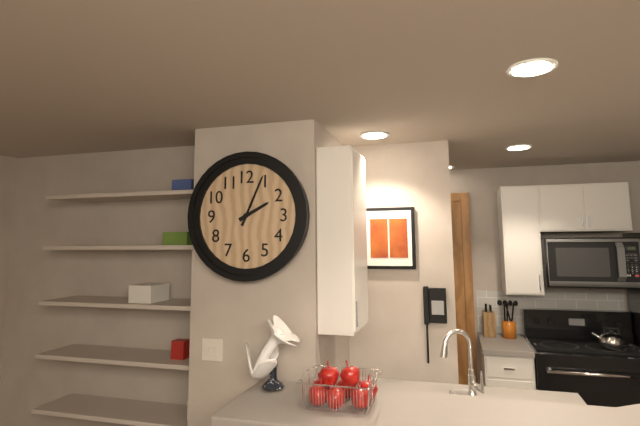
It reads h=2 m=4
